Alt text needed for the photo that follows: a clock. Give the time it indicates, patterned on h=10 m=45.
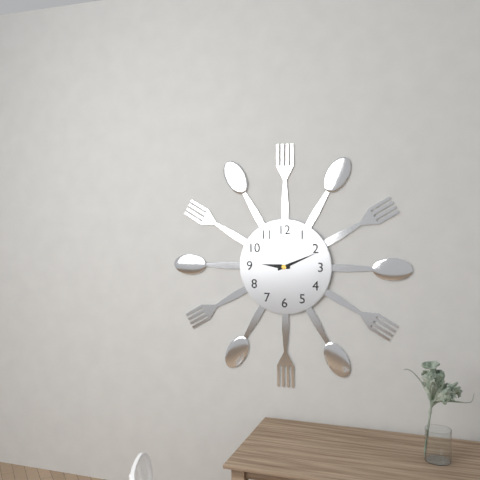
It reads h=9 m=11
